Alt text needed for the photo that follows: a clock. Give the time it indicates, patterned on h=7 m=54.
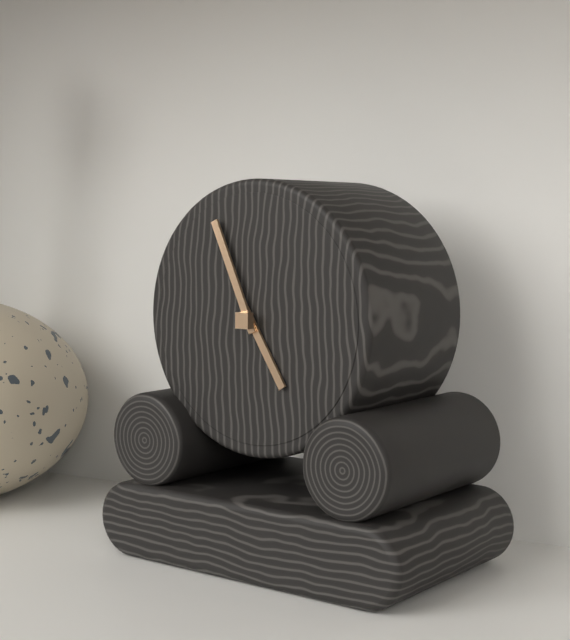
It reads h=4 m=56
